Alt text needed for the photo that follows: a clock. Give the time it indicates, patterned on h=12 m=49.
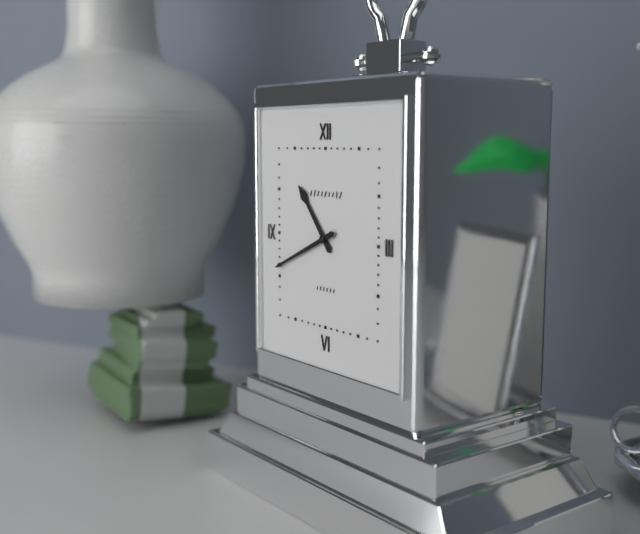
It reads h=10 m=41
